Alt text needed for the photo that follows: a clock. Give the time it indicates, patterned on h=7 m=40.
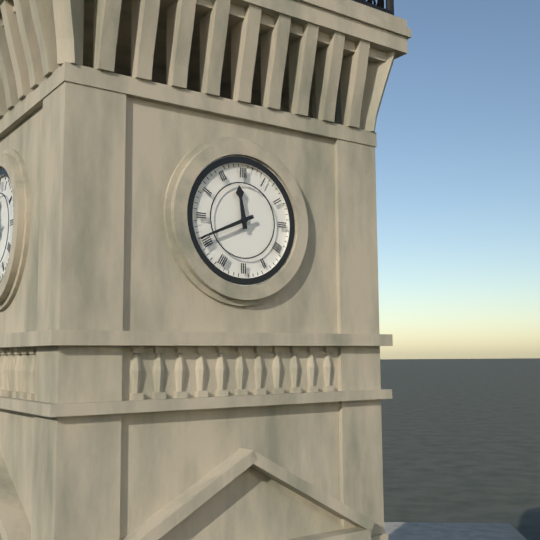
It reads h=11 m=41
